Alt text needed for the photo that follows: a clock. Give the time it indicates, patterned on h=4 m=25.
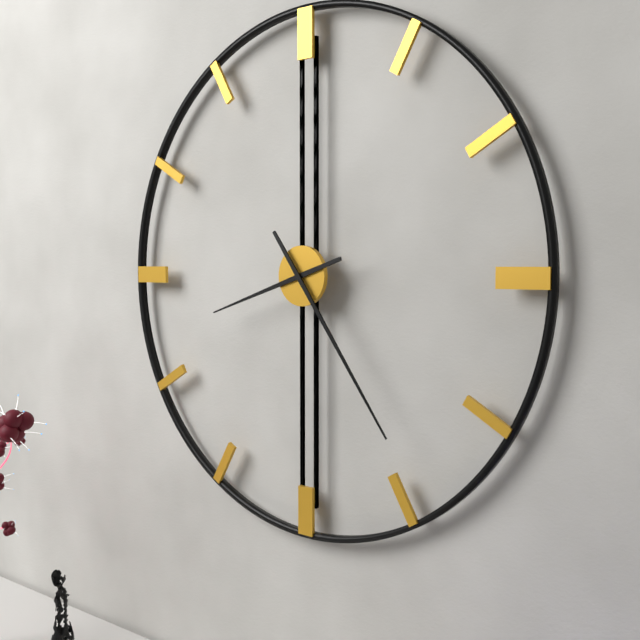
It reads h=8 m=24
